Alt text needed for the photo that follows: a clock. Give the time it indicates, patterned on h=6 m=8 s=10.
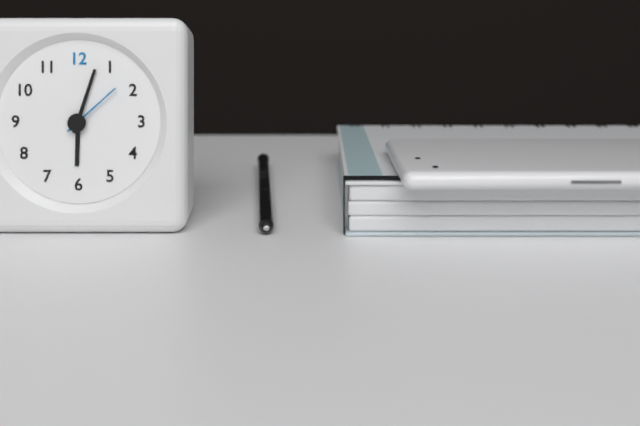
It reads h=6 m=3 s=8
